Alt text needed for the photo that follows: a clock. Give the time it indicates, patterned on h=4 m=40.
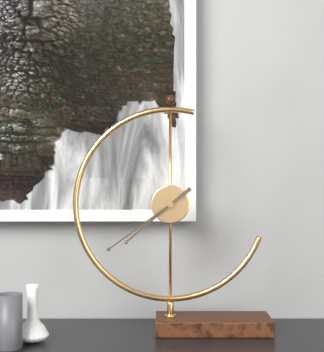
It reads h=7 m=39
